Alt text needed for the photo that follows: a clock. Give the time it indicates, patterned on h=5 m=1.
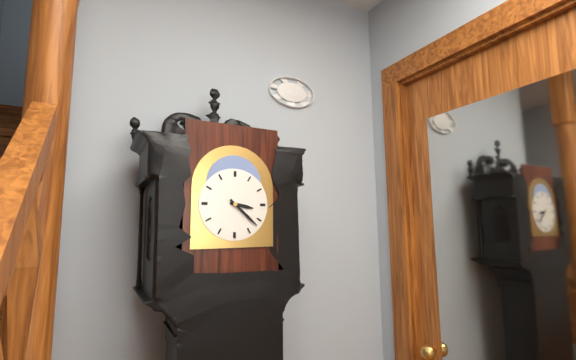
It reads h=3 m=22
